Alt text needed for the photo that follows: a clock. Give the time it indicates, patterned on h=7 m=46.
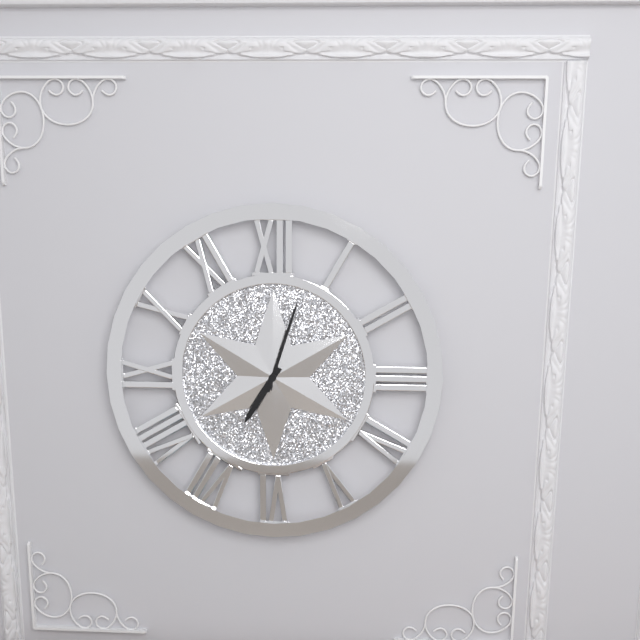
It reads h=7 m=3
